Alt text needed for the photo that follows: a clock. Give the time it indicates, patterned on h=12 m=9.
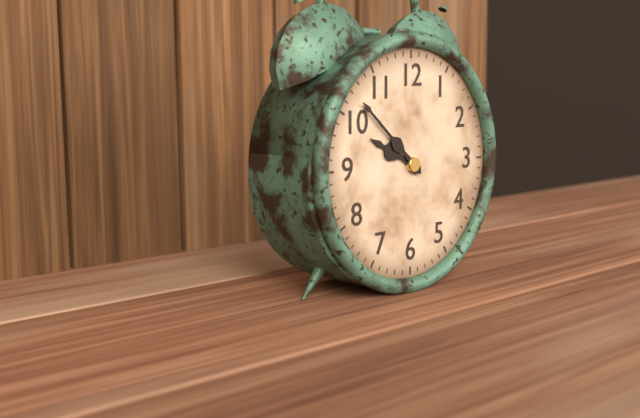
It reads h=9 m=52
